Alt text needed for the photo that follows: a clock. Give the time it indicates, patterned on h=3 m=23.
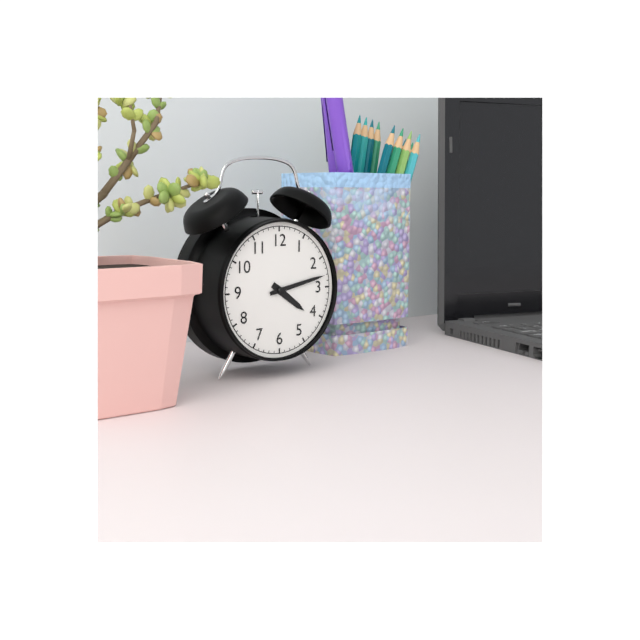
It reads h=4 m=13
